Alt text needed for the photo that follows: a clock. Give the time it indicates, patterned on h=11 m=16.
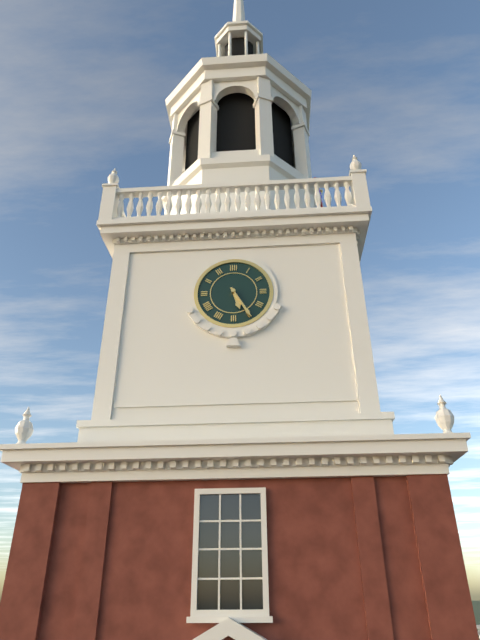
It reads h=5 m=25
